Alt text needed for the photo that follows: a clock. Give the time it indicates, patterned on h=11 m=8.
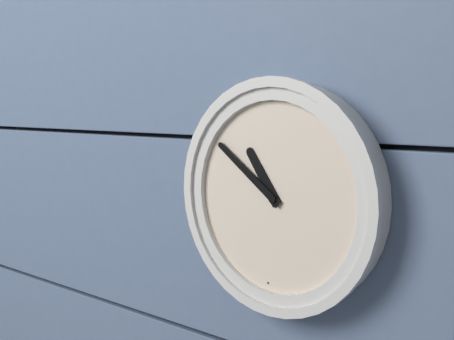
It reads h=10 m=51
